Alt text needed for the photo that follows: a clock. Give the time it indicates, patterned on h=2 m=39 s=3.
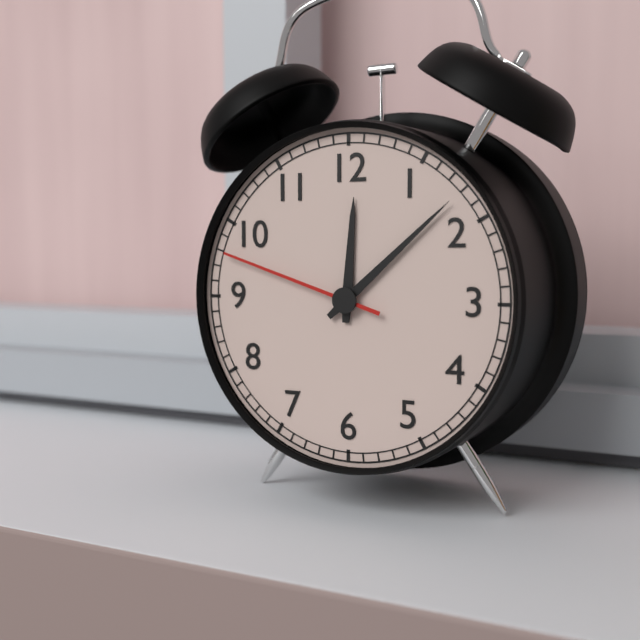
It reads h=12 m=8 s=48
